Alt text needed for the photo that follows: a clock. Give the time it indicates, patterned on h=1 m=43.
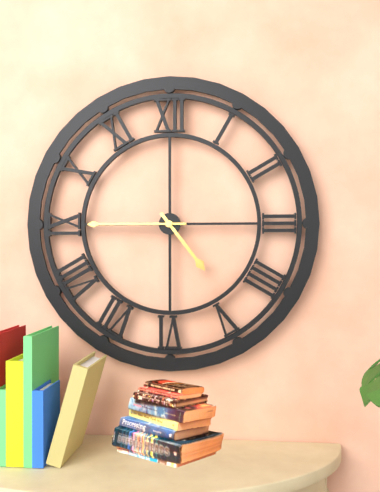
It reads h=4 m=45
